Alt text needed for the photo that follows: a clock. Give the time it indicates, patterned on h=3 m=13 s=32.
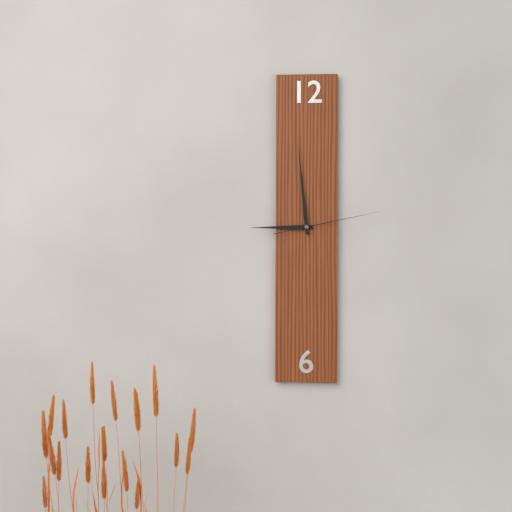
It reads h=8 m=59 s=13
